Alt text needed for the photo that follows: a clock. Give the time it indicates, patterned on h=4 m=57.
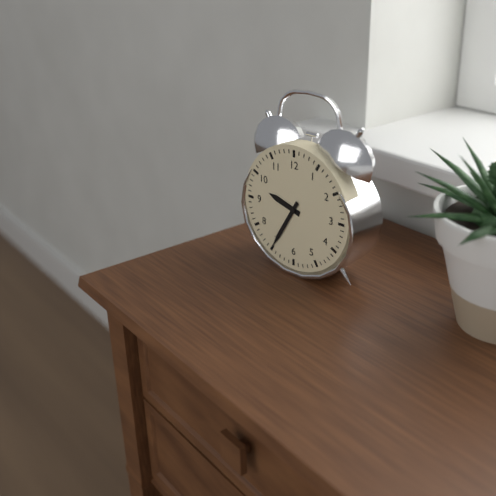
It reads h=9 m=35
